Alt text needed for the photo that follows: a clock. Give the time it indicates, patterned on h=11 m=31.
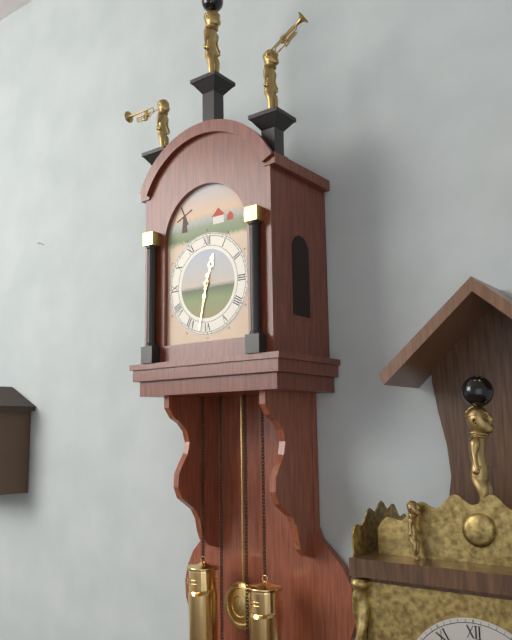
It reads h=12 m=32
